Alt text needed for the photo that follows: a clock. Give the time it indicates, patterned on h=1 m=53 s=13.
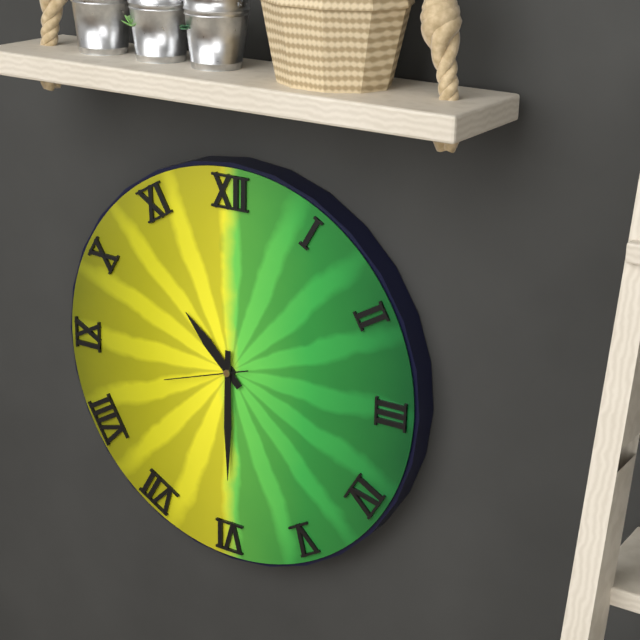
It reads h=10 m=30 s=42
